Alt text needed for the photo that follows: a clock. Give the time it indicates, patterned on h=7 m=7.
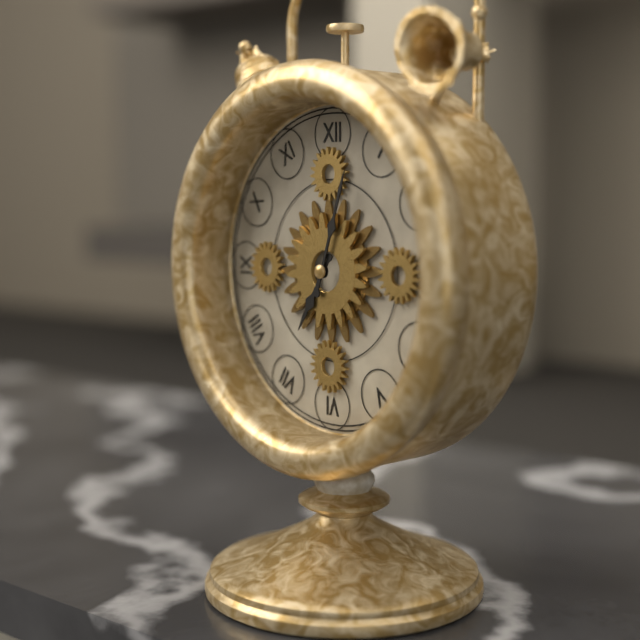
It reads h=7 m=3
